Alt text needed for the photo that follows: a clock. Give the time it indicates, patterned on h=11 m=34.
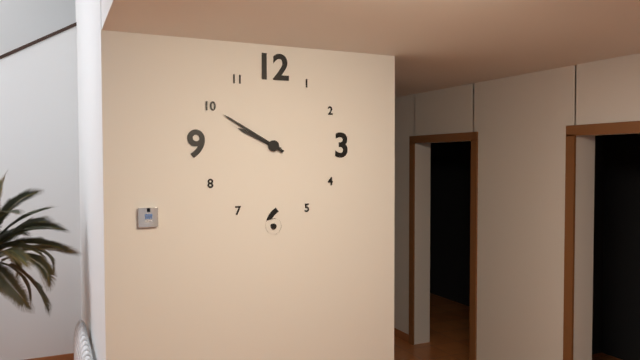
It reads h=9 m=50
